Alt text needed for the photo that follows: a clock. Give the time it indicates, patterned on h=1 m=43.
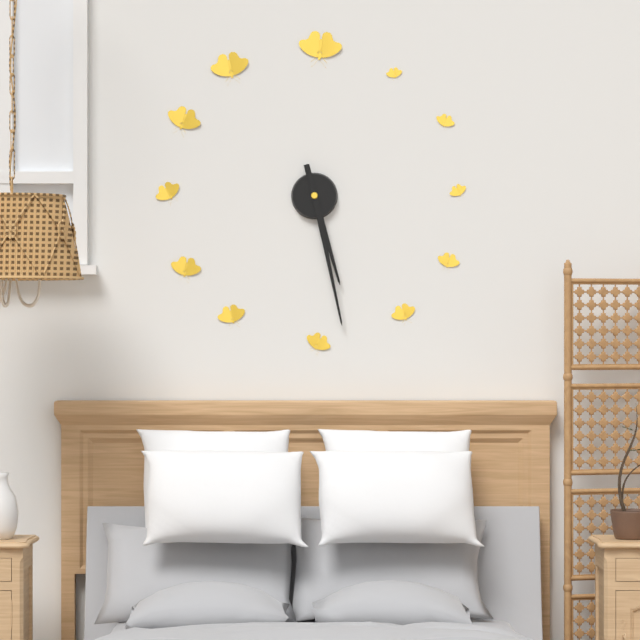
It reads h=5 m=28
